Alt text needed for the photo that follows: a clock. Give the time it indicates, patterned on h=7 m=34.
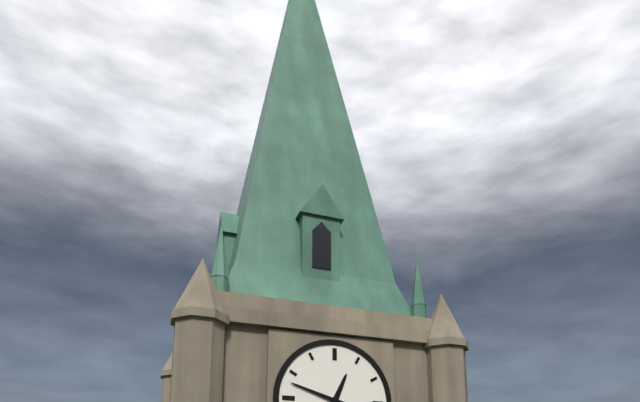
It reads h=12 m=48
